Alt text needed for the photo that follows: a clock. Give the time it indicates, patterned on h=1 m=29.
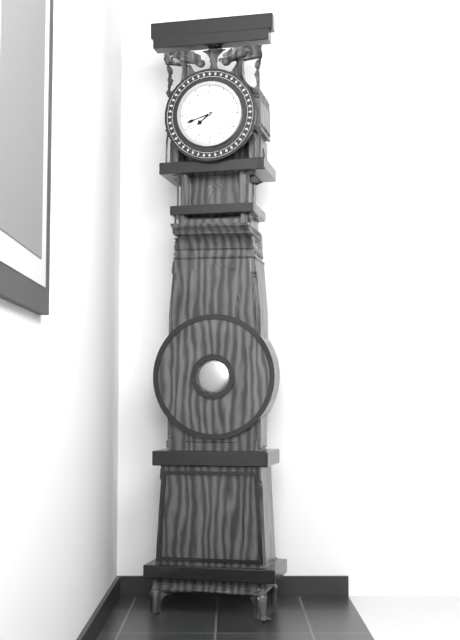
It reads h=7 m=42
